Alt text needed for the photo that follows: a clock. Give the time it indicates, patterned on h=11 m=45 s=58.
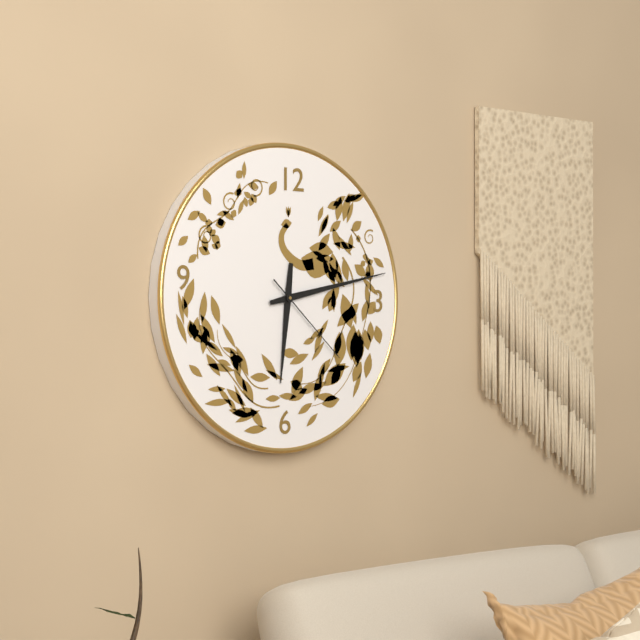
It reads h=6 m=13 s=22
